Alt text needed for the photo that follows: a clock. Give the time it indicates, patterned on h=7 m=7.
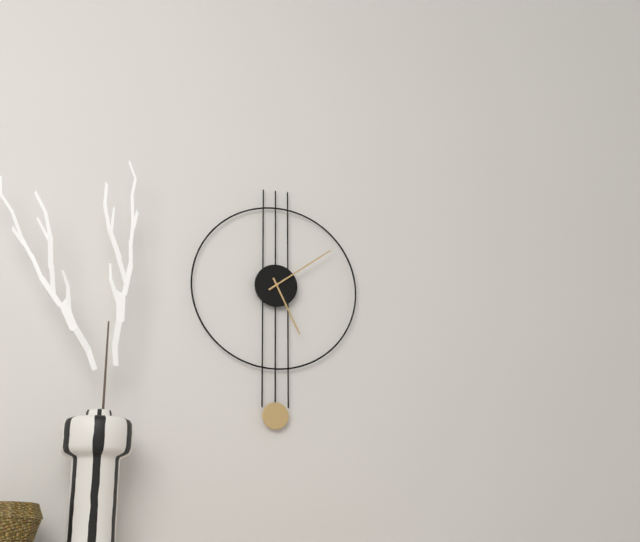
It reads h=5 m=9
